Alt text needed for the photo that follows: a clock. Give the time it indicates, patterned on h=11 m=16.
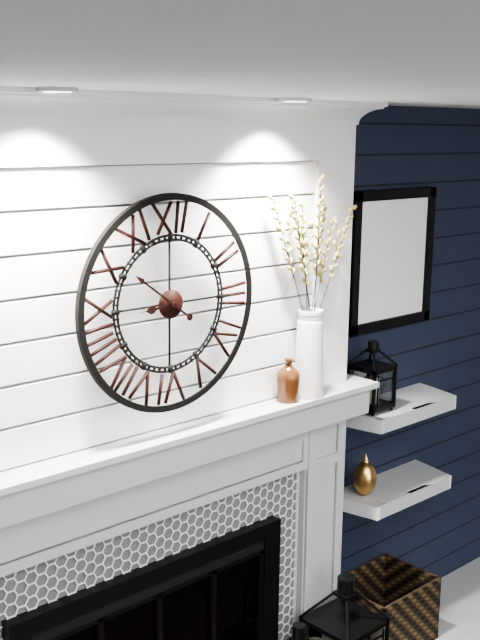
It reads h=8 m=51
